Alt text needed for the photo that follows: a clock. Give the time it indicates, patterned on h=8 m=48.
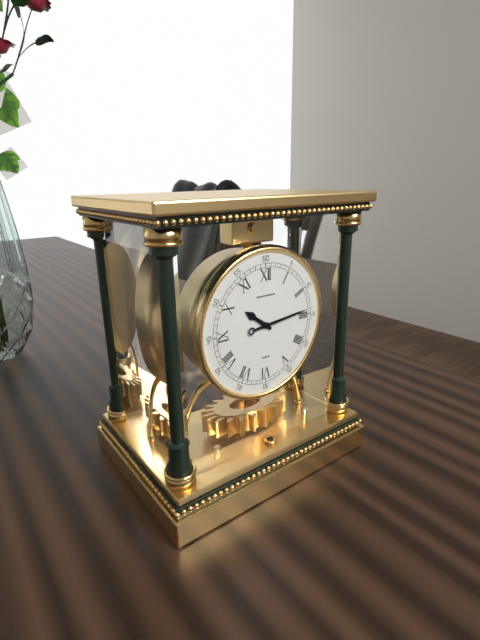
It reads h=10 m=14
